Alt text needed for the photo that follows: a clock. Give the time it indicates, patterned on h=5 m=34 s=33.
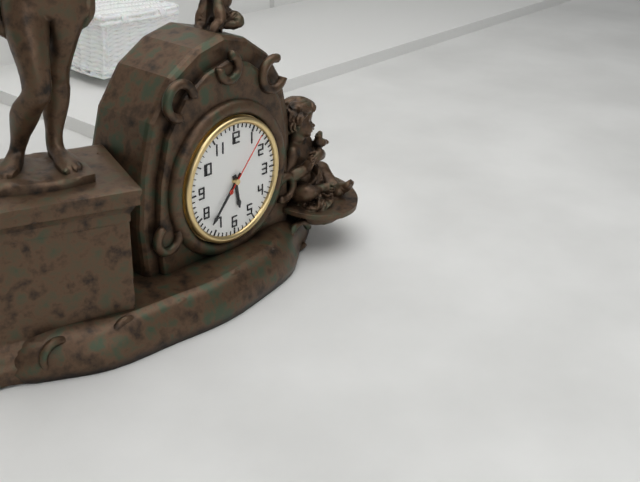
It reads h=5 m=37 s=7
